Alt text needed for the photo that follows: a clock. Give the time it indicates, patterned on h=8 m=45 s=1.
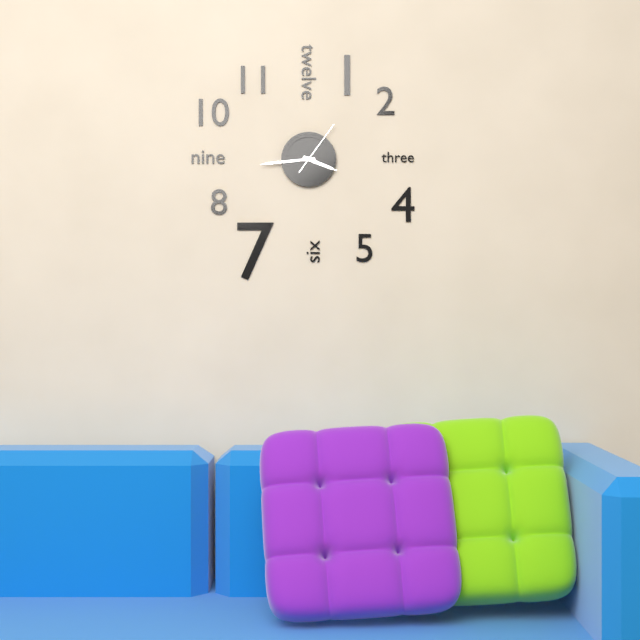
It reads h=3 m=44 s=6
